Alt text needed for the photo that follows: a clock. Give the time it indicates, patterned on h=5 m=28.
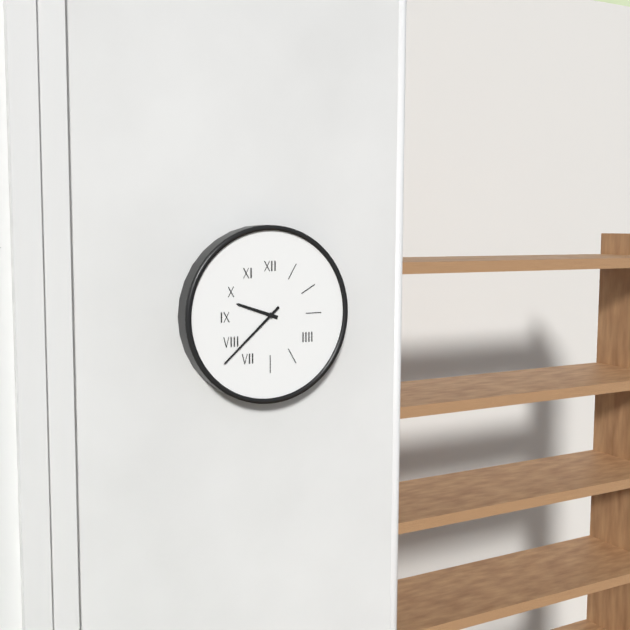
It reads h=9 m=38
